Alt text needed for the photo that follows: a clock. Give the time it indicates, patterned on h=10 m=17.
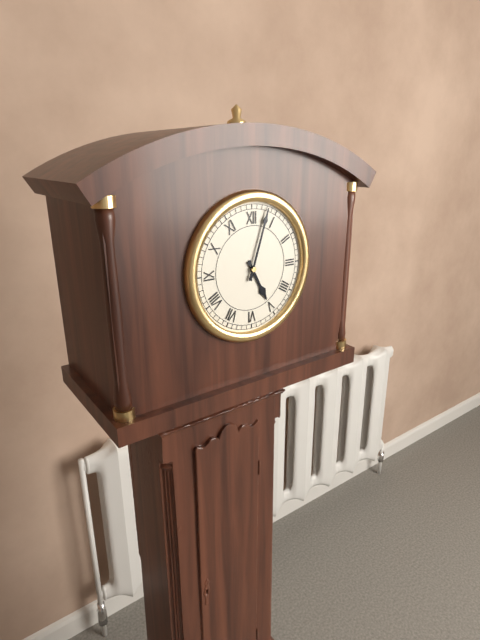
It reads h=5 m=3
